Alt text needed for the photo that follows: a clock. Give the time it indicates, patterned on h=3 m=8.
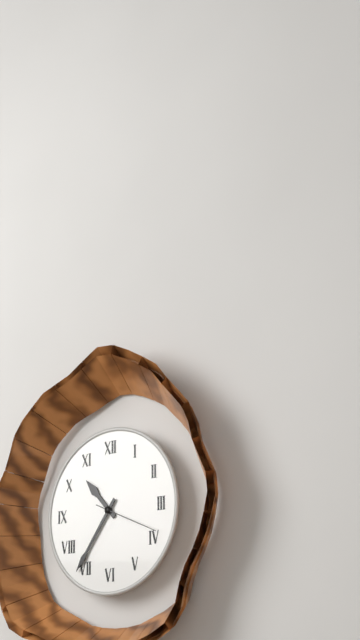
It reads h=10 m=36
